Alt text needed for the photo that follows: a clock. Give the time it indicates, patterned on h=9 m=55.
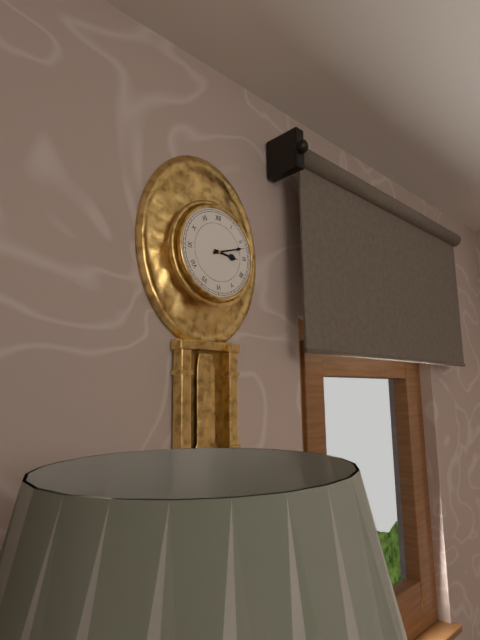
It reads h=3 m=12
